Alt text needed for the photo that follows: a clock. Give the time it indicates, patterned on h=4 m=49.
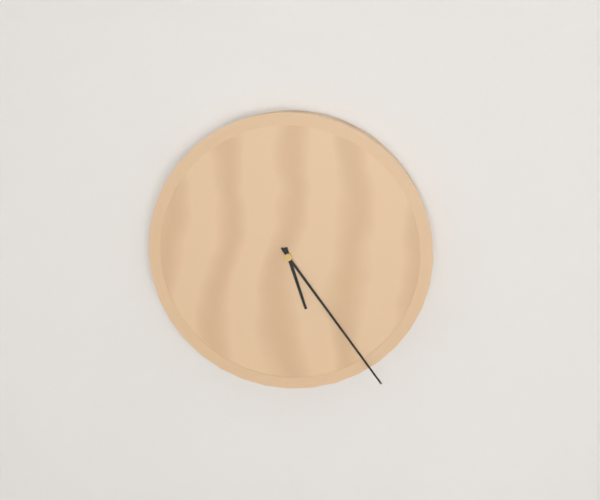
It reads h=5 m=24
